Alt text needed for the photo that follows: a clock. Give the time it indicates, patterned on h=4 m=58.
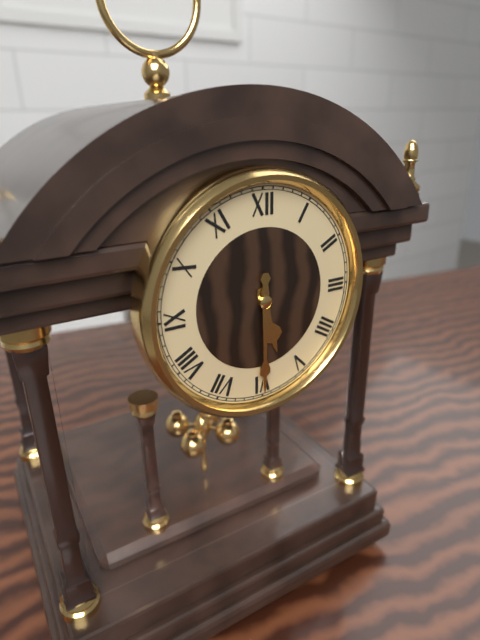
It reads h=5 m=30
